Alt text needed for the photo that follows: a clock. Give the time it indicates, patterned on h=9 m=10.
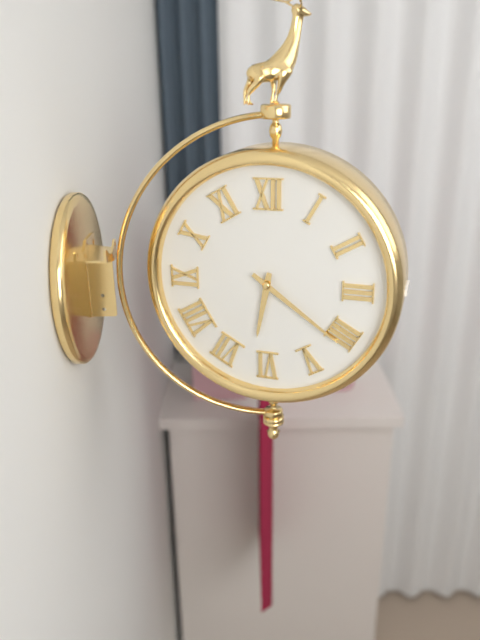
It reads h=6 m=21
